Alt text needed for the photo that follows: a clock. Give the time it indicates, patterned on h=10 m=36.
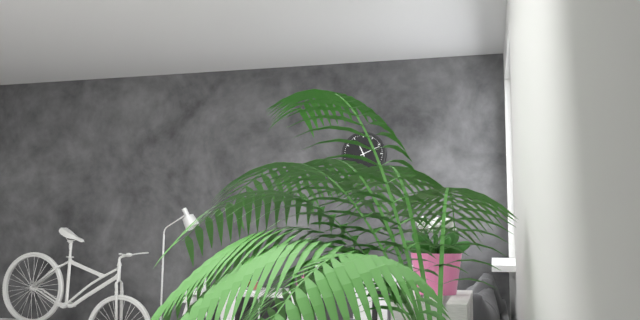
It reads h=11 m=11
